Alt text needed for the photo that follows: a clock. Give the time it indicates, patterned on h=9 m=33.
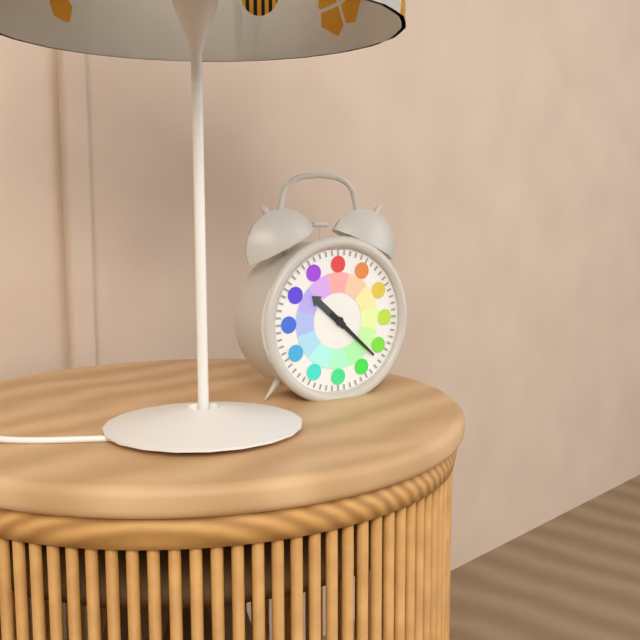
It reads h=10 m=22
